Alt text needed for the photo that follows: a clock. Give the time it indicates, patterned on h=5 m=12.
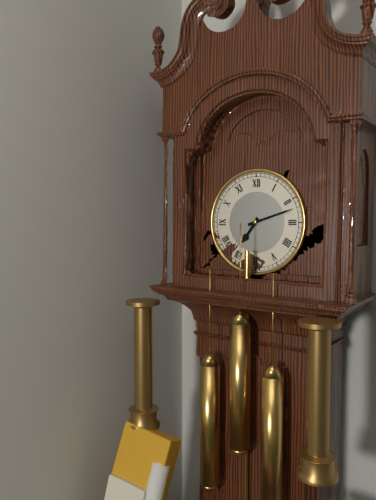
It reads h=7 m=12
